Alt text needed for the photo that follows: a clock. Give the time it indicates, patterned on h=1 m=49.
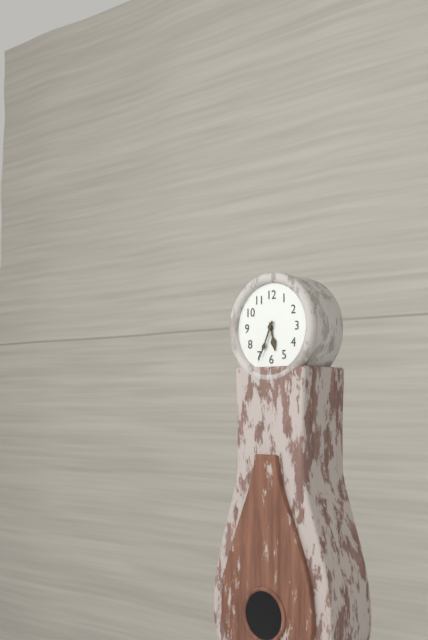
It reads h=5 m=34
